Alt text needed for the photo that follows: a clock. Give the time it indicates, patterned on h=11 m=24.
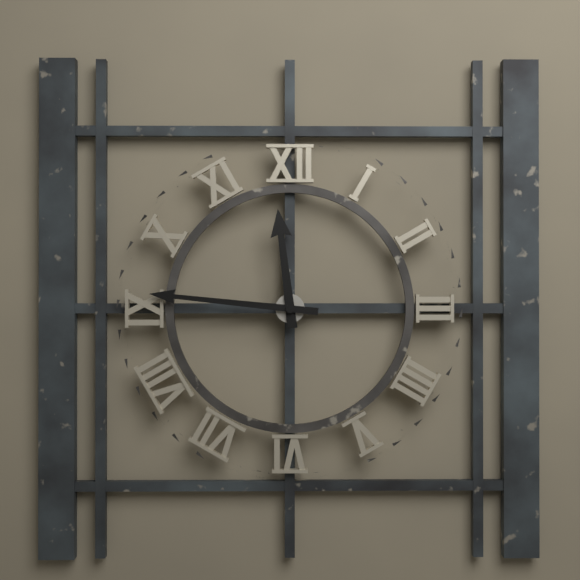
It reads h=11 m=46
